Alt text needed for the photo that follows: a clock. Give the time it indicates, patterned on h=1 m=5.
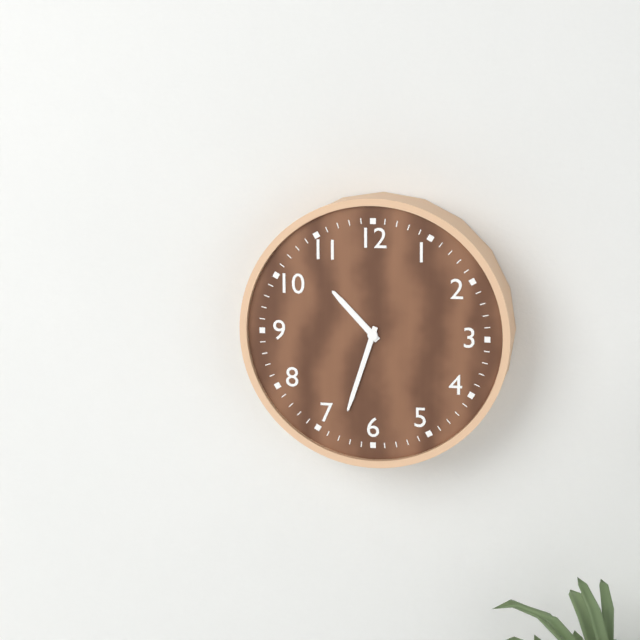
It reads h=10 m=33
